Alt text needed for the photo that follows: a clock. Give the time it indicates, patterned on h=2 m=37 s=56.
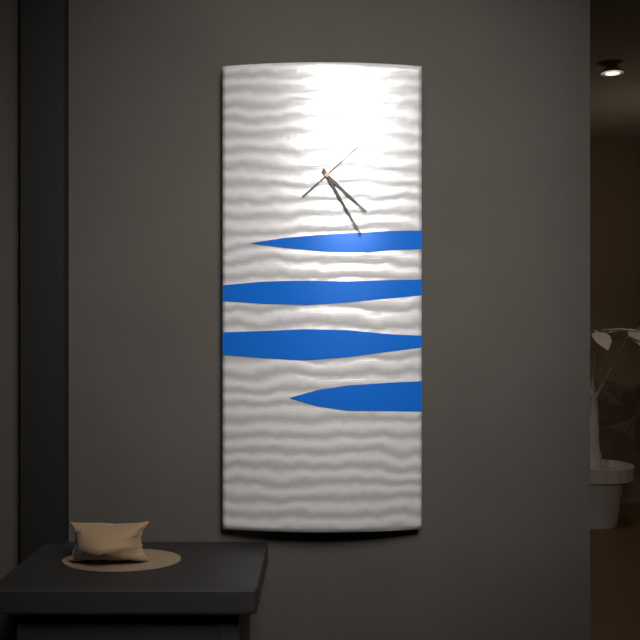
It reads h=4 m=25 s=8
